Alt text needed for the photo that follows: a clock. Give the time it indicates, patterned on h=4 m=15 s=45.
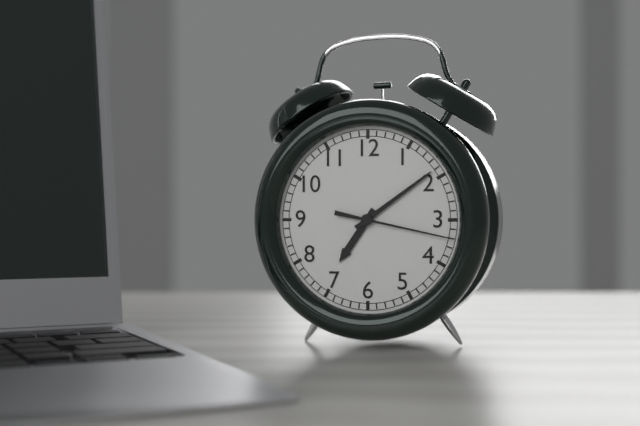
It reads h=7 m=9 s=17
